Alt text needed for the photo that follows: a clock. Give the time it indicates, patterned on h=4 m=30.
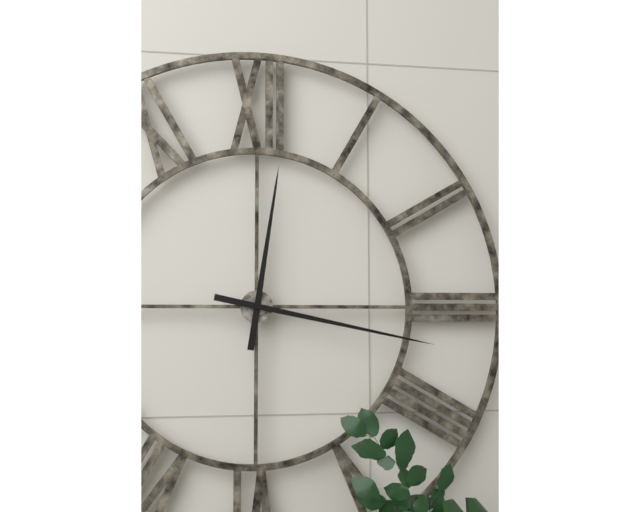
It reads h=12 m=17
